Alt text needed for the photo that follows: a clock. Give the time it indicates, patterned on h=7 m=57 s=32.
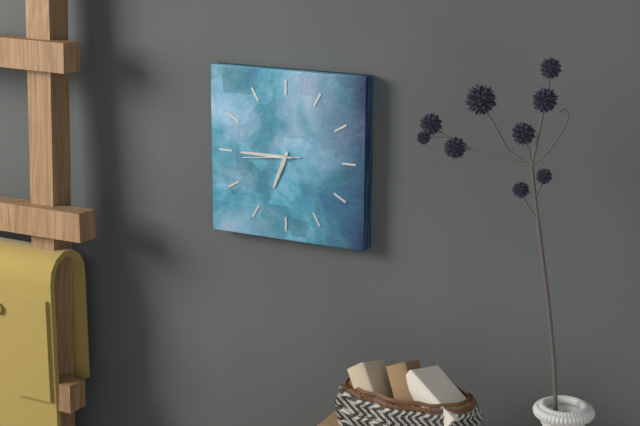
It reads h=6 m=45 s=44
